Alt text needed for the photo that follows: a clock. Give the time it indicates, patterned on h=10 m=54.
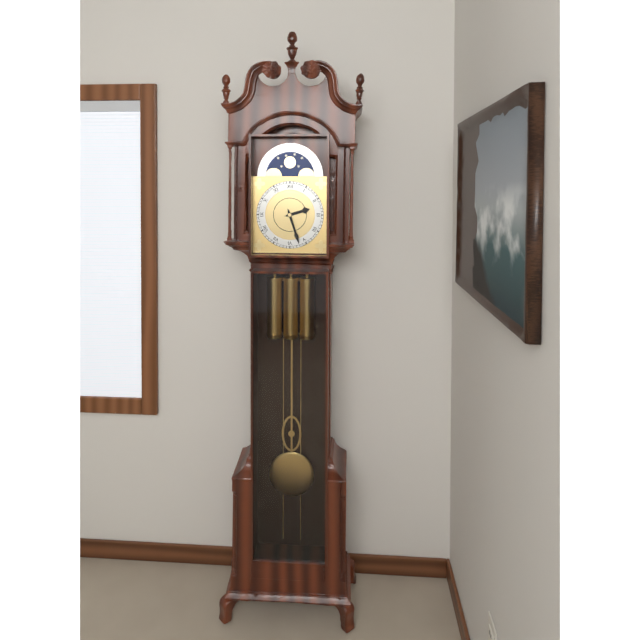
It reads h=2 m=27
